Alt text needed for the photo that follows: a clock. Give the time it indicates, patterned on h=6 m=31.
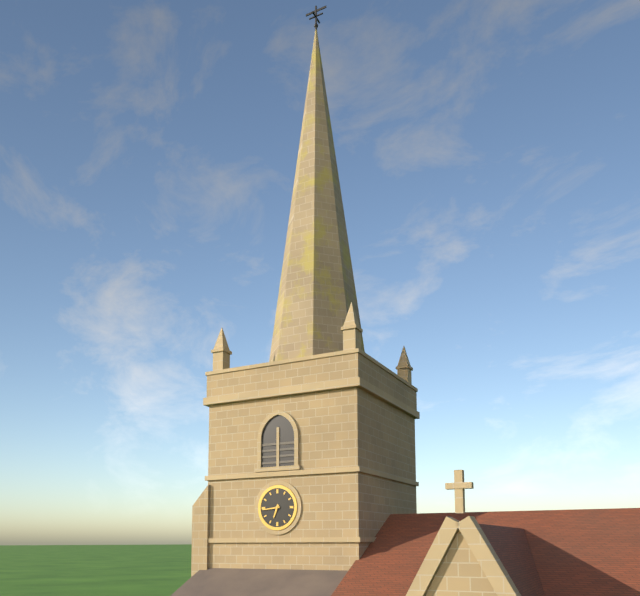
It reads h=6 m=44
